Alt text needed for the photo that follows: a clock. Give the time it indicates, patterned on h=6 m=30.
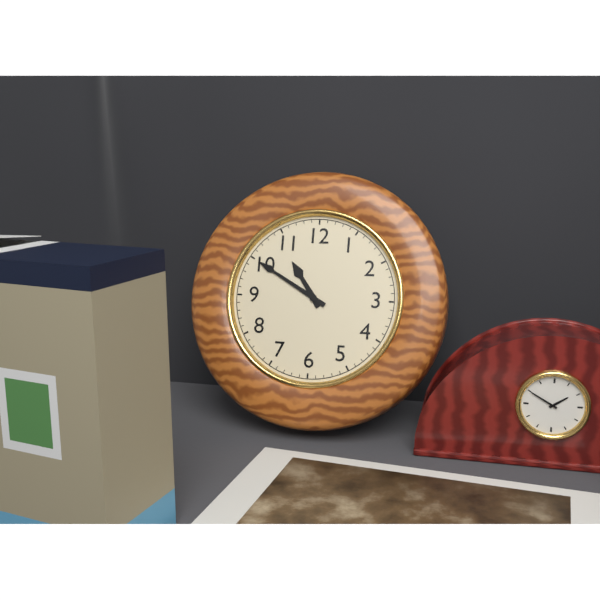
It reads h=10 m=50
